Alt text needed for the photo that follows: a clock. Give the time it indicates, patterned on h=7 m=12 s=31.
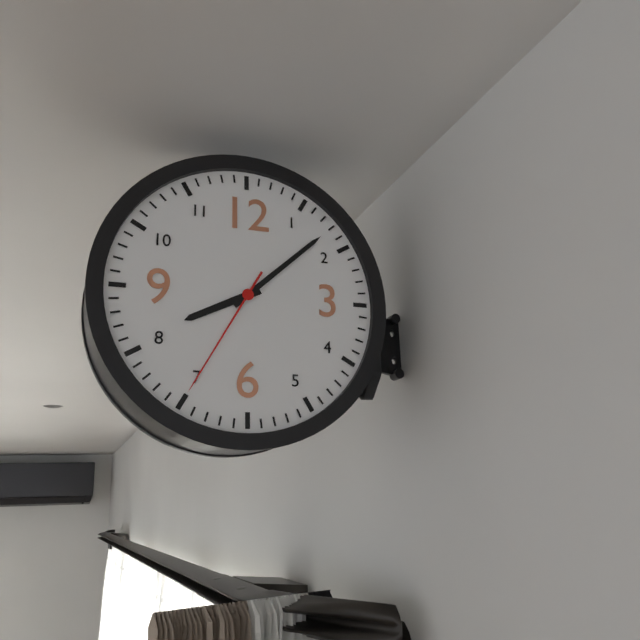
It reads h=8 m=8 s=35
